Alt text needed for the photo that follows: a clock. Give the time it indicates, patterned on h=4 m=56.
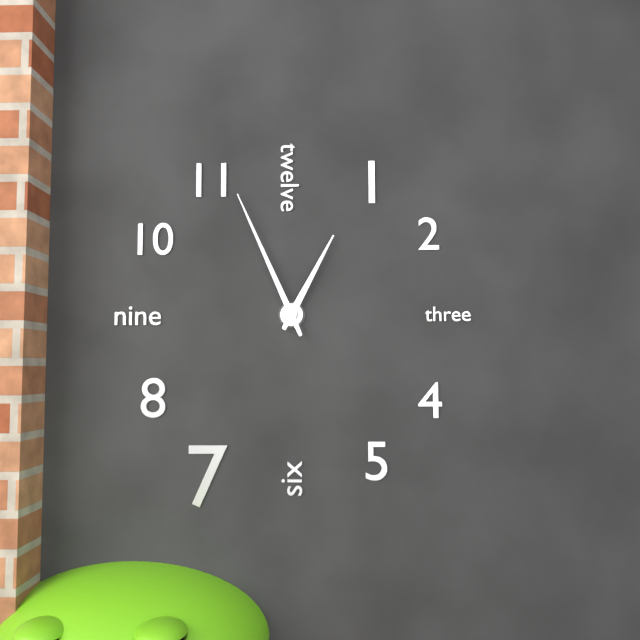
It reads h=12 m=56
